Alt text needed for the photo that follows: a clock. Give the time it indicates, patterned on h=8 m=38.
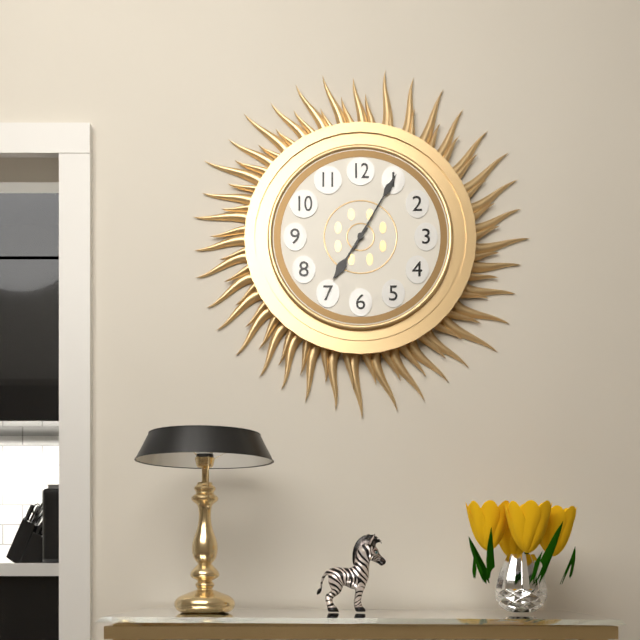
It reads h=7 m=5
